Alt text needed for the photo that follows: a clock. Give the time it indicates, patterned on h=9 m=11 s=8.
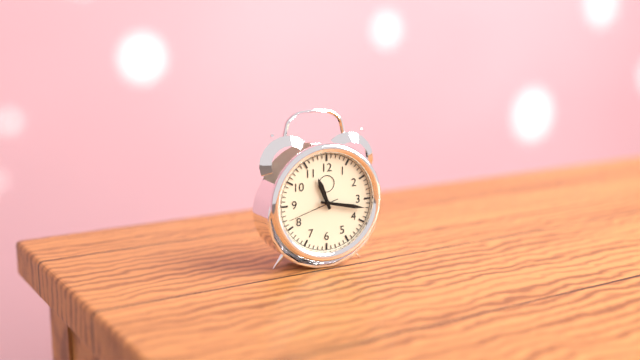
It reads h=11 m=17 s=42
